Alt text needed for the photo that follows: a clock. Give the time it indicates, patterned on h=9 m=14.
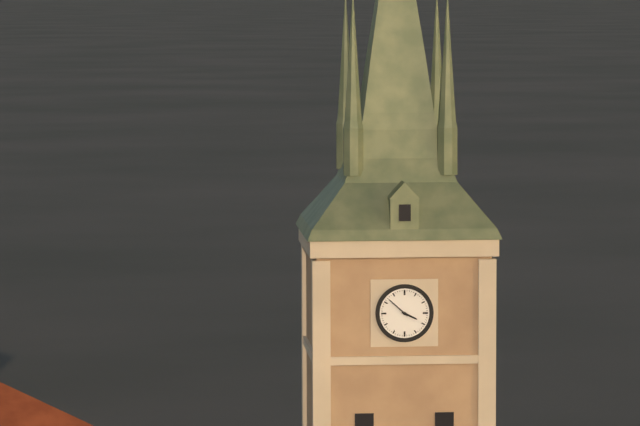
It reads h=3 m=52
